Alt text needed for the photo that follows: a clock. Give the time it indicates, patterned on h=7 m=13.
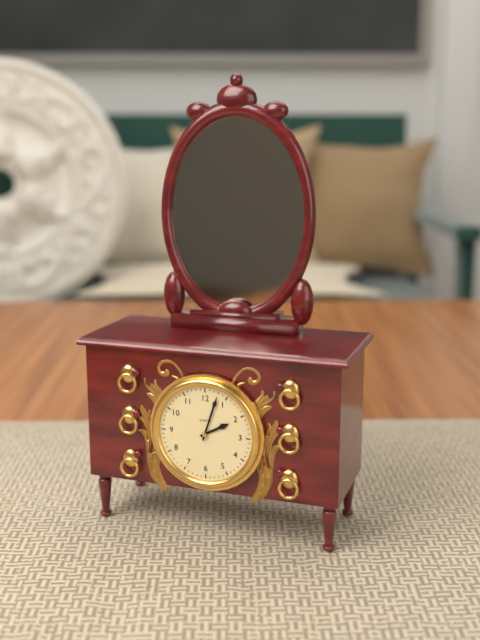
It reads h=2 m=3
